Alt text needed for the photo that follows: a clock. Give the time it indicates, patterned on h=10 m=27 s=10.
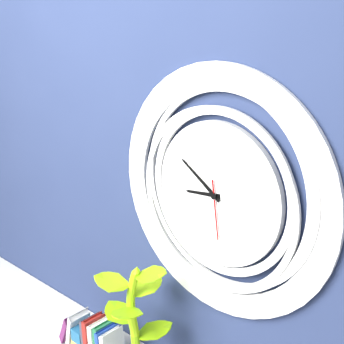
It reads h=8 m=51 s=29
